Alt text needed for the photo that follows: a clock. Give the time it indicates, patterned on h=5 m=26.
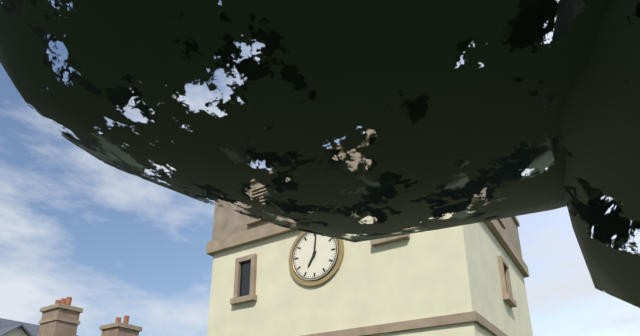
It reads h=7 m=1
